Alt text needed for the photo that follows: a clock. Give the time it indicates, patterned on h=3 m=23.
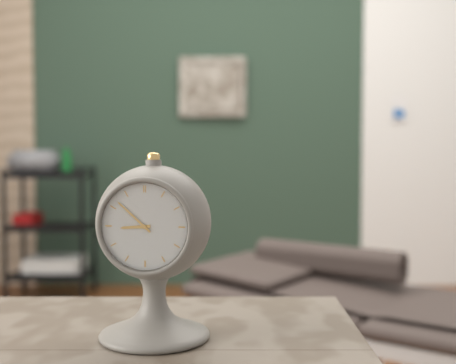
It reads h=8 m=52
